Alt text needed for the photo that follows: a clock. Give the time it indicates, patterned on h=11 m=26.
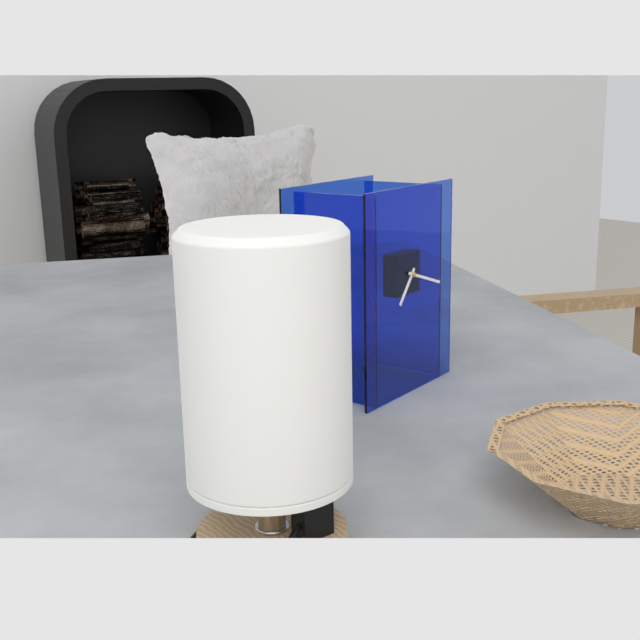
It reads h=7 m=18
